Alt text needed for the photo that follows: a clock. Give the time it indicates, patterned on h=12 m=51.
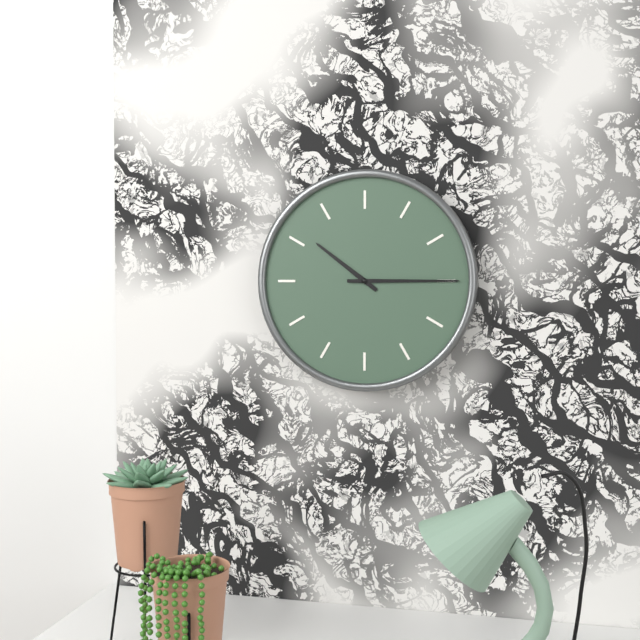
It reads h=10 m=15
